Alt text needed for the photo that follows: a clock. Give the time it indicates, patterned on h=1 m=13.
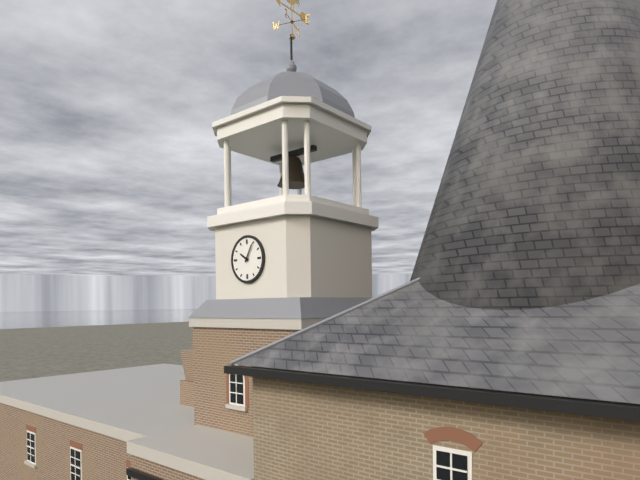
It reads h=10 m=5
